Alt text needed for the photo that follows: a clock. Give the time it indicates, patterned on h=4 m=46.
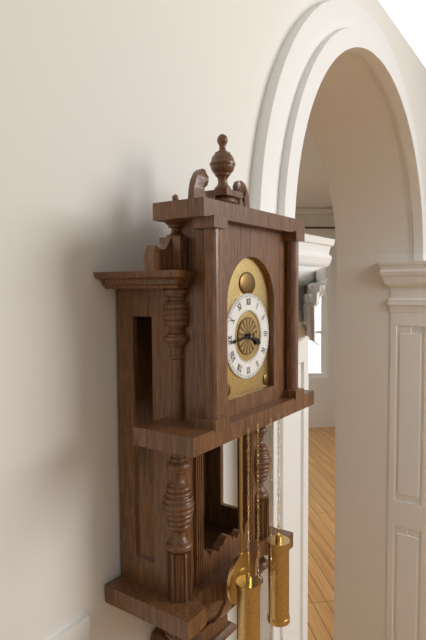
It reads h=3 m=44
